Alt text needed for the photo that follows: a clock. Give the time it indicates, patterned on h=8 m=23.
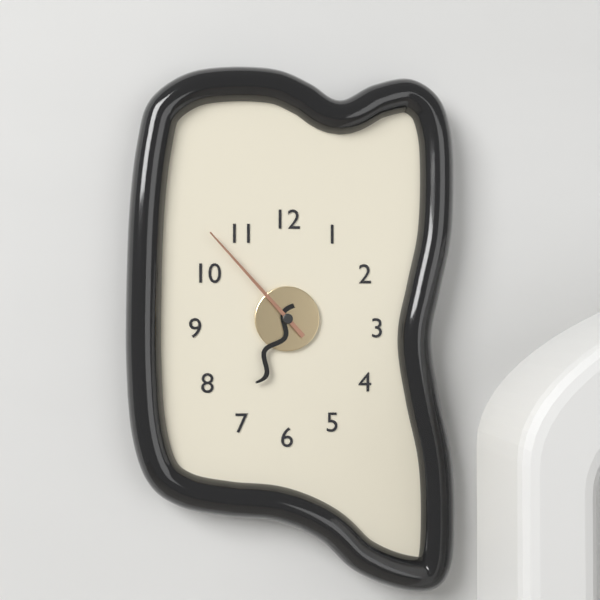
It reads h=6 m=53
